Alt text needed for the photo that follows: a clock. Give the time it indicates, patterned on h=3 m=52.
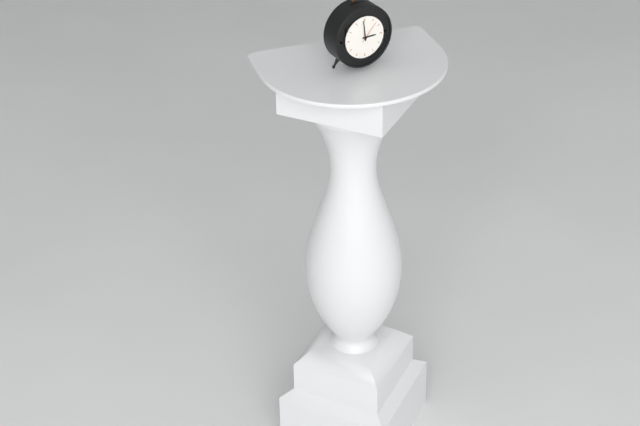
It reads h=2 m=59
